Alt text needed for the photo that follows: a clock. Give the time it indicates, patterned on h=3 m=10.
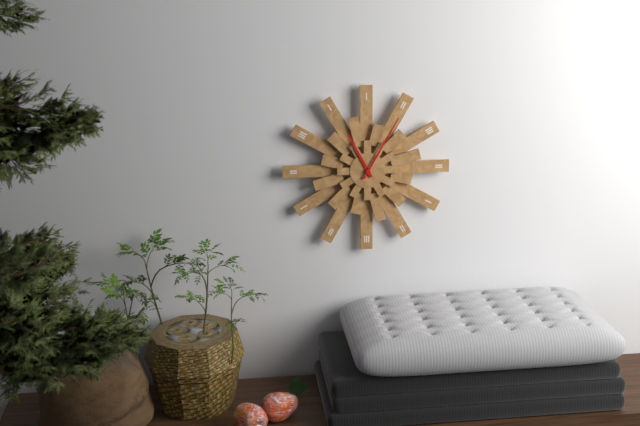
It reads h=11 m=5
